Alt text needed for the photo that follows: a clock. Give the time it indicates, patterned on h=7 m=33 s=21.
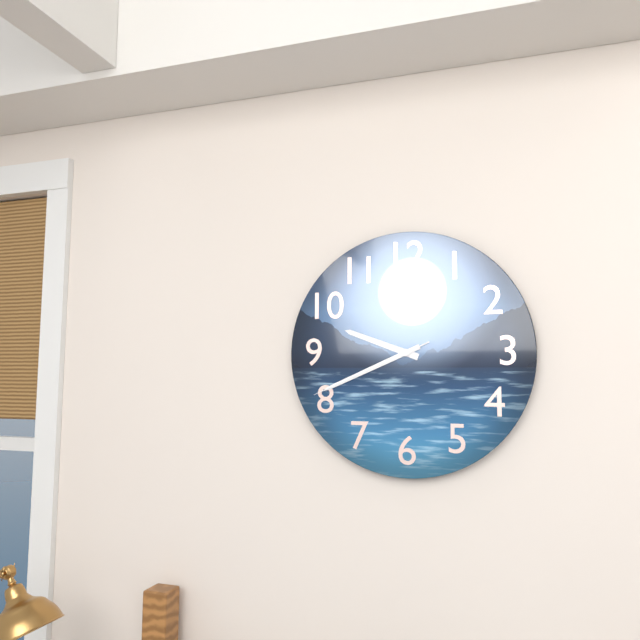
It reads h=9 m=41 s=41
